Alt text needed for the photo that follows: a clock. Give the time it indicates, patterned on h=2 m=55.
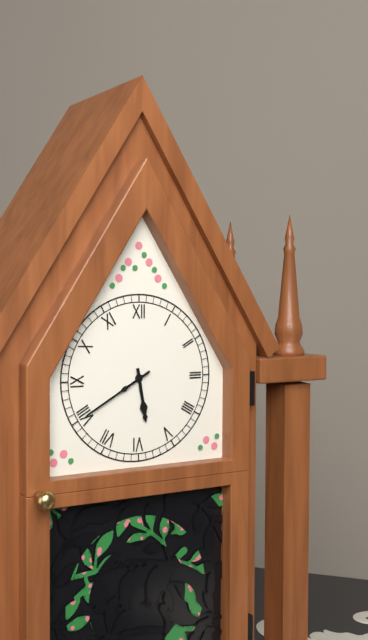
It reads h=5 m=40
